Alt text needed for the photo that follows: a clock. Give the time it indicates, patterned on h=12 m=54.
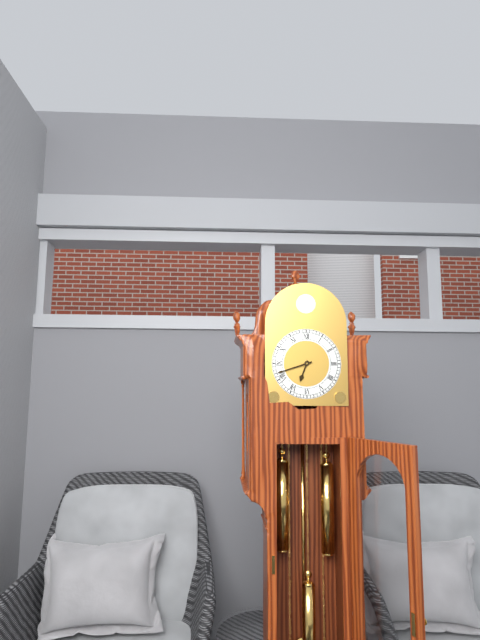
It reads h=6 m=42
